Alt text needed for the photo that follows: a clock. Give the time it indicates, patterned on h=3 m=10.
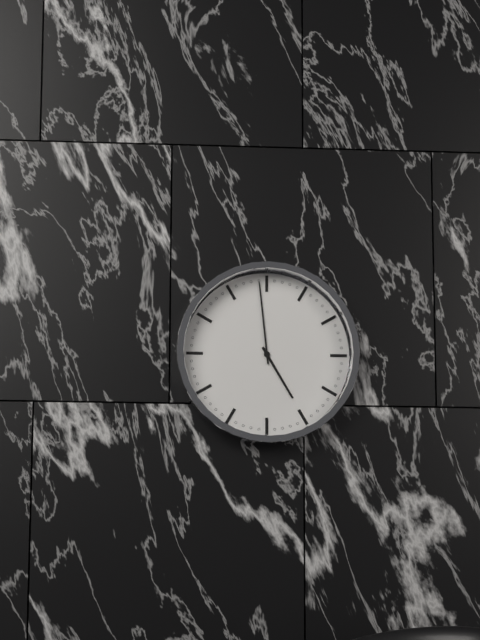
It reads h=4 m=59
